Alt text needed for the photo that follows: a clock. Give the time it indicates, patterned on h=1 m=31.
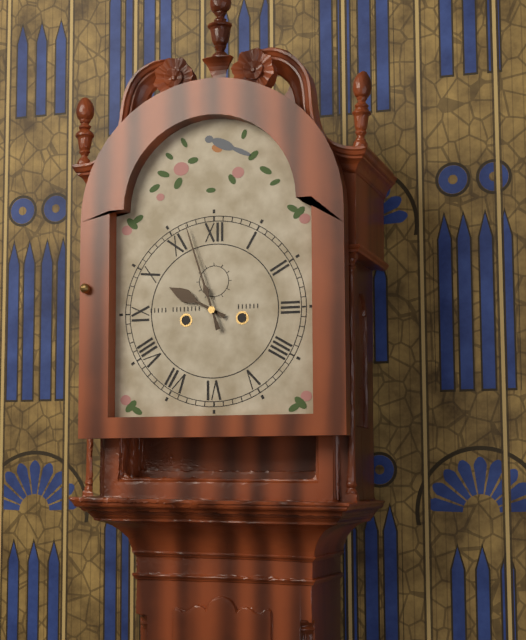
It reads h=9 m=57
